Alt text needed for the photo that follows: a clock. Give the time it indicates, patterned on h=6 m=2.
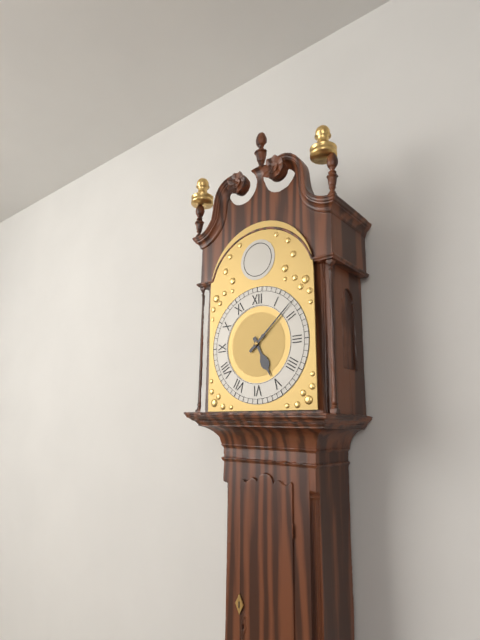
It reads h=5 m=8
